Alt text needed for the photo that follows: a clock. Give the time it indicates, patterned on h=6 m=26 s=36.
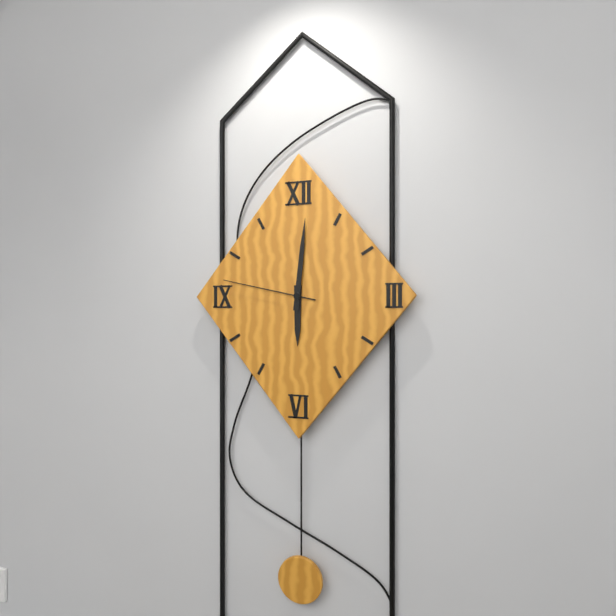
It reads h=6 m=1 s=47
